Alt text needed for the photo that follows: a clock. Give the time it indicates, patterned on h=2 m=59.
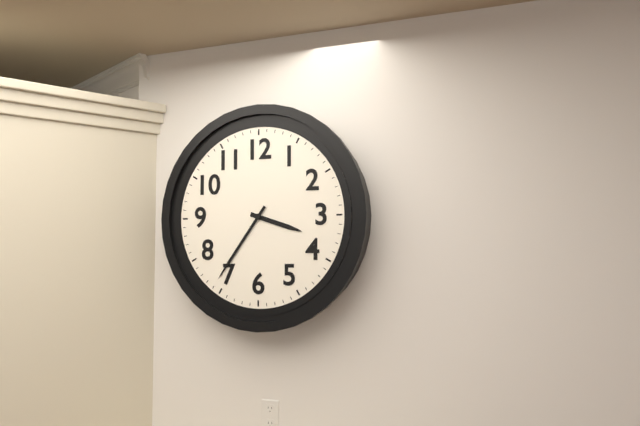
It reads h=3 m=36
